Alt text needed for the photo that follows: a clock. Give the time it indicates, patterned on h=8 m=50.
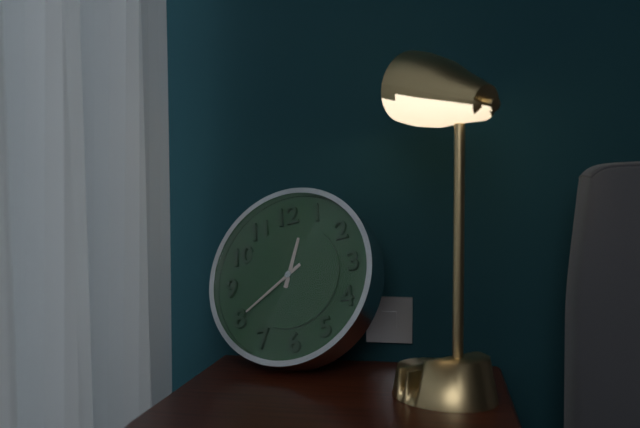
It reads h=12 m=40
